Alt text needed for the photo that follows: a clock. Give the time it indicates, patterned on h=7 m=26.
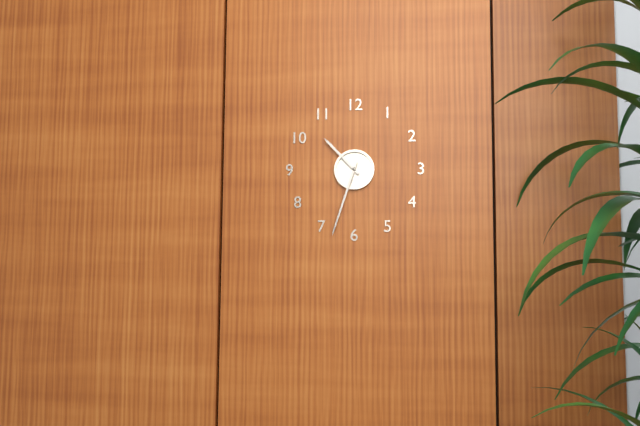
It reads h=10 m=33
